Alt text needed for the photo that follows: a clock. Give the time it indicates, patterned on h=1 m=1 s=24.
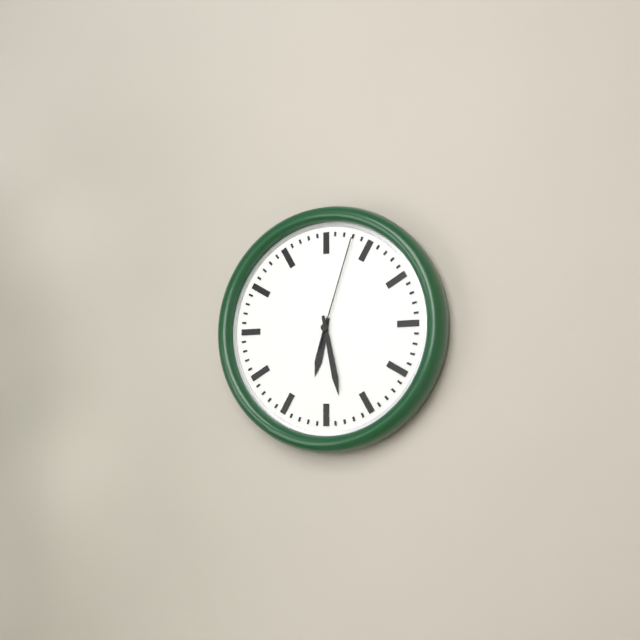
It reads h=6 m=28 s=3
